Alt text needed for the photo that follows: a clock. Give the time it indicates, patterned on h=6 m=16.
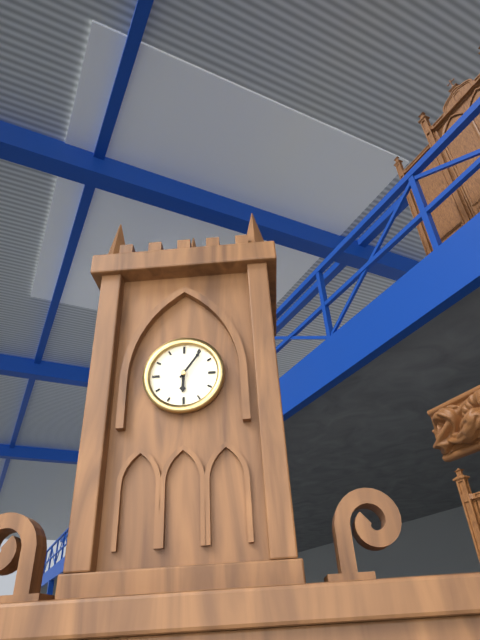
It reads h=6 m=6
